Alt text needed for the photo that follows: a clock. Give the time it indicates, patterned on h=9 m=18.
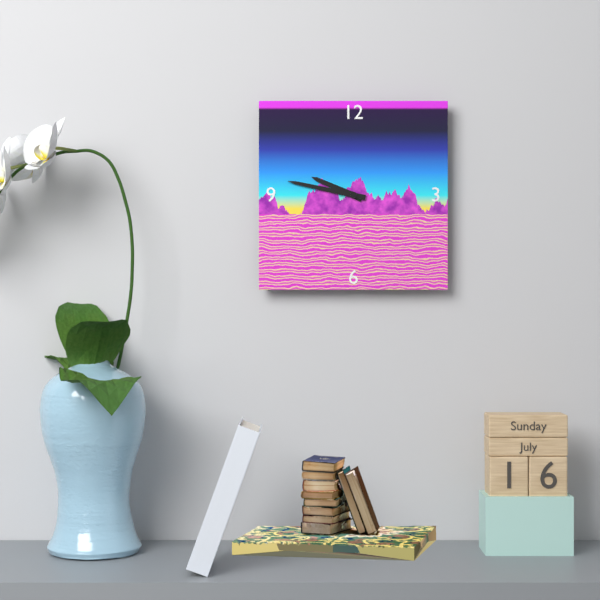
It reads h=9 m=47
